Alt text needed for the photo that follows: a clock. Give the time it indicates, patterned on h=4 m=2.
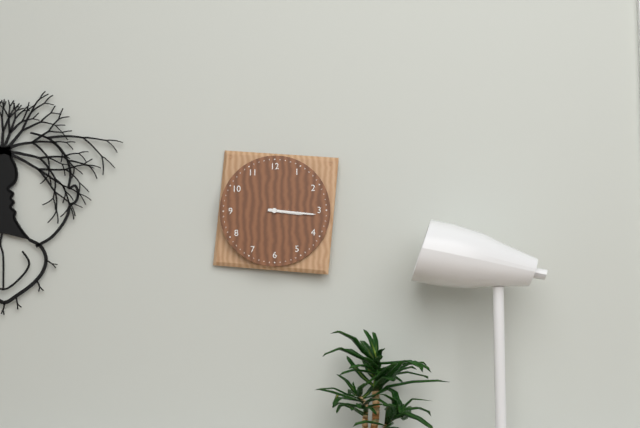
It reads h=3 m=16
